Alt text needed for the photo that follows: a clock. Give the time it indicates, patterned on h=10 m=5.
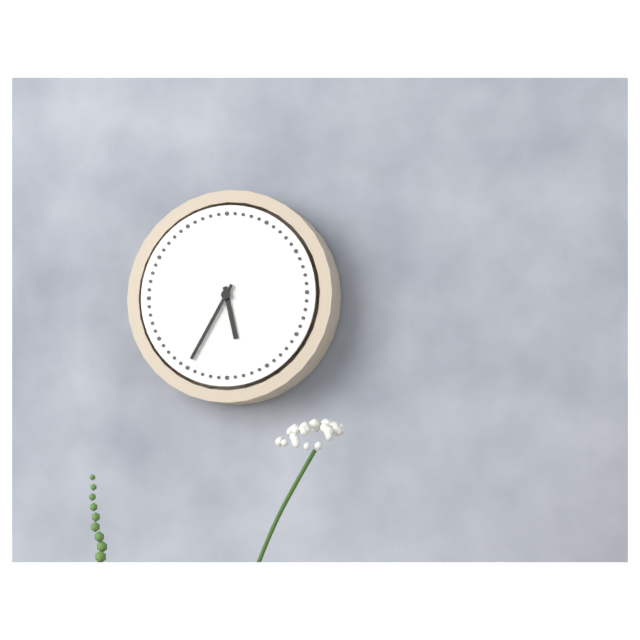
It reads h=5 m=35
